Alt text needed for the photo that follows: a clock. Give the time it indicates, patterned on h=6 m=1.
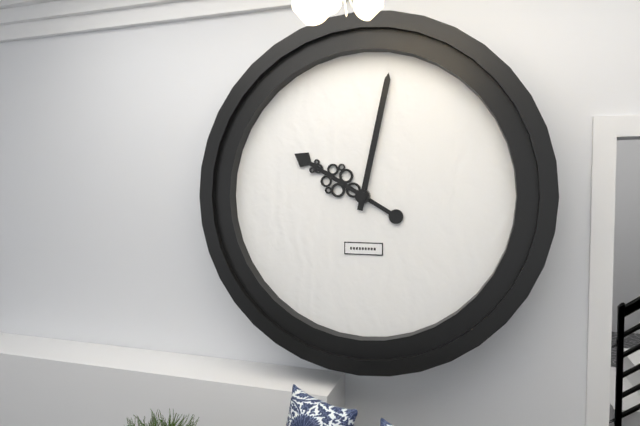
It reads h=10 m=2
